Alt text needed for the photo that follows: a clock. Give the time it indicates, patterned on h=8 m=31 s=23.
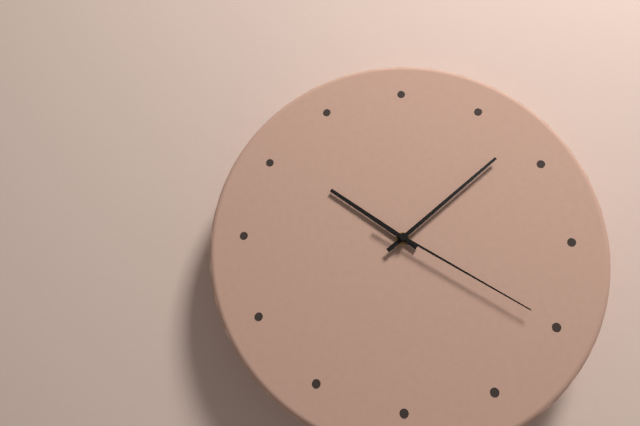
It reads h=10 m=8 s=20
